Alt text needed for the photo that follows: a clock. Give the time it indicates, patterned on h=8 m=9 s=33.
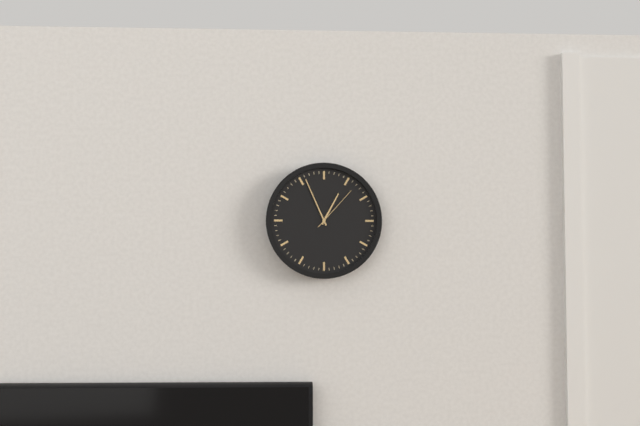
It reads h=12 m=56 s=7
